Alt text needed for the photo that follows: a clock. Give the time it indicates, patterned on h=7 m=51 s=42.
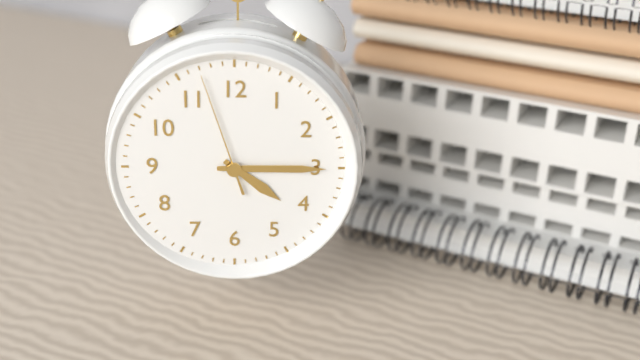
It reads h=4 m=15 s=57
